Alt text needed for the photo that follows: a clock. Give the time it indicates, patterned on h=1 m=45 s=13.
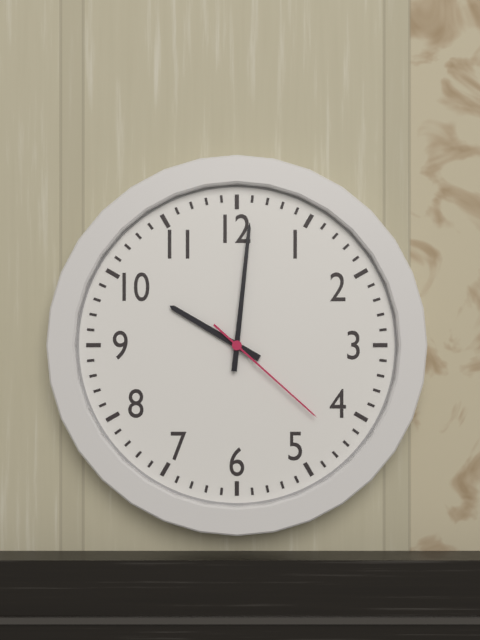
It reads h=10 m=1 s=22
